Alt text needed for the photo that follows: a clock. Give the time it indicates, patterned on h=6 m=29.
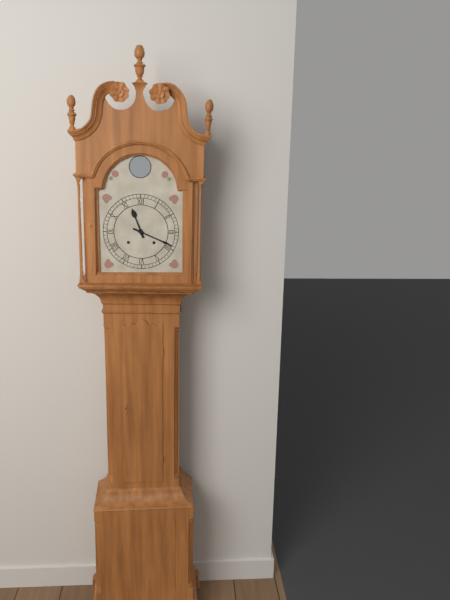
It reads h=11 m=19
